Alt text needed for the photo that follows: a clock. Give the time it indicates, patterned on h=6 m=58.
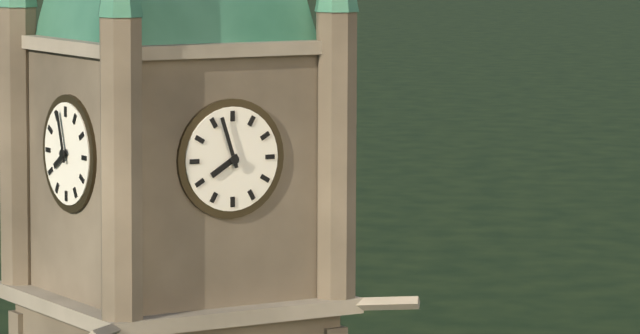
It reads h=7 m=57
